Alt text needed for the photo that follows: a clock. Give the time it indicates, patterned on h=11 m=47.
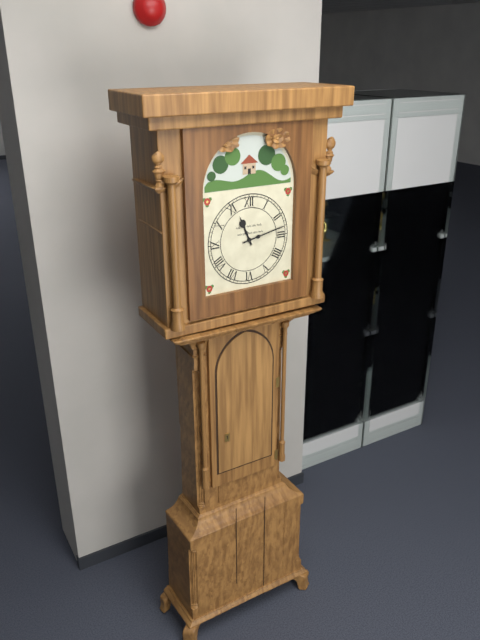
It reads h=11 m=13
